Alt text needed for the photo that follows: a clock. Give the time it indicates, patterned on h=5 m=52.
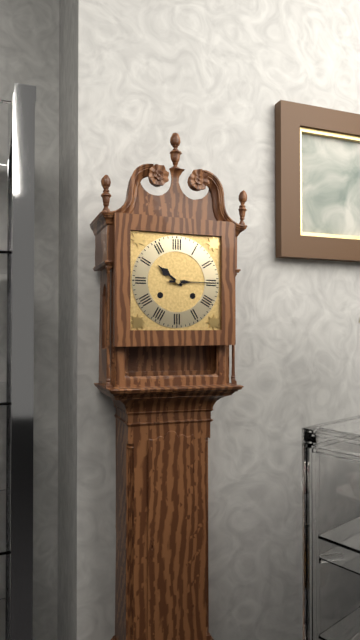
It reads h=10 m=15
